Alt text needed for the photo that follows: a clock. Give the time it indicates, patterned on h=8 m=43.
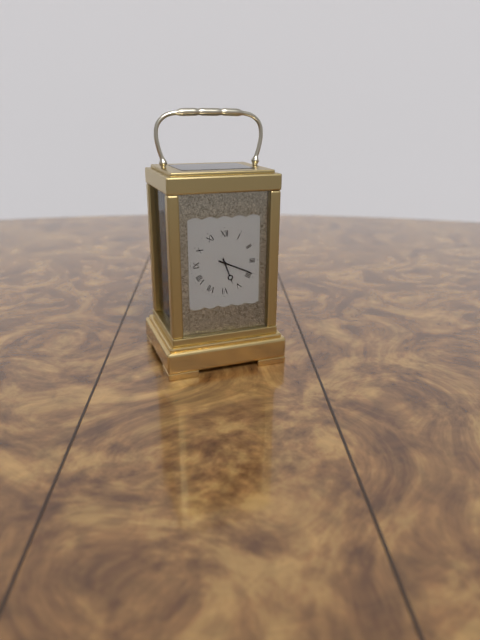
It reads h=5 m=19
